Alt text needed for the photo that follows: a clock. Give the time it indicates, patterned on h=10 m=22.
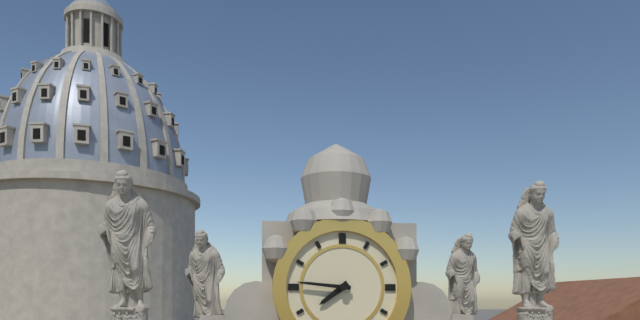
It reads h=7 m=46
